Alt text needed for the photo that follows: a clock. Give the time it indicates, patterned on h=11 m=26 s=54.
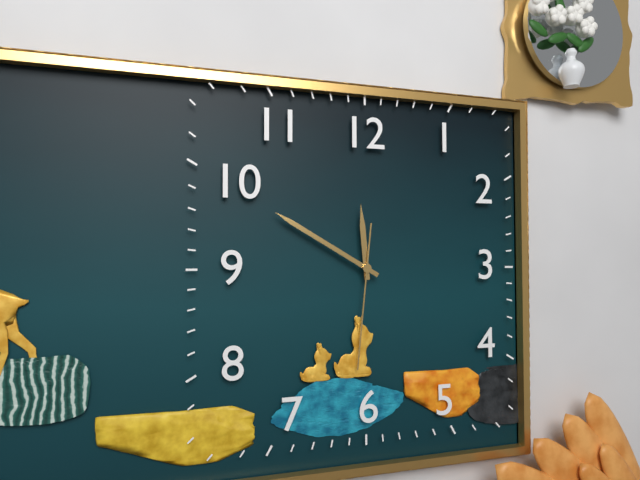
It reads h=11 m=50 s=31
